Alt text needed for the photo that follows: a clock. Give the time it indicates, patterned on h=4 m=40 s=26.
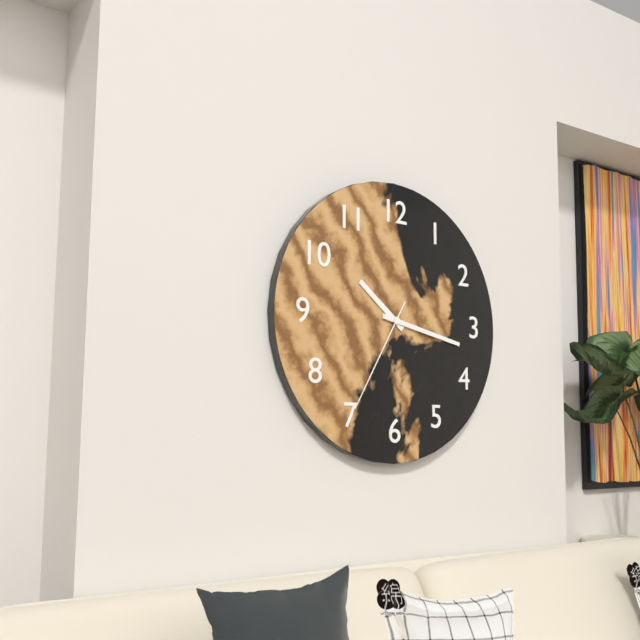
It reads h=10 m=17 s=35
